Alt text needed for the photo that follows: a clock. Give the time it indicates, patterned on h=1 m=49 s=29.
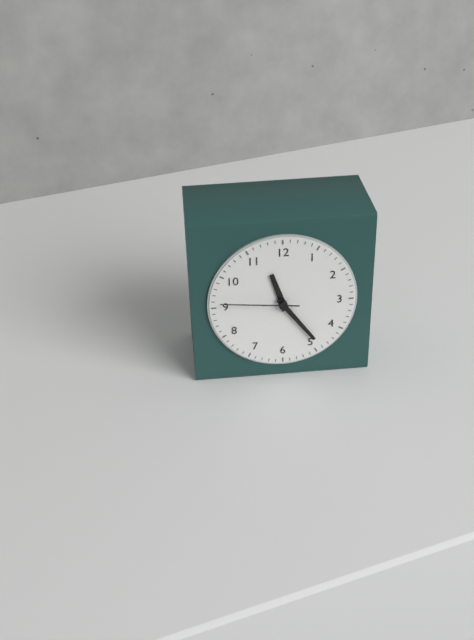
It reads h=11 m=24 s=46
